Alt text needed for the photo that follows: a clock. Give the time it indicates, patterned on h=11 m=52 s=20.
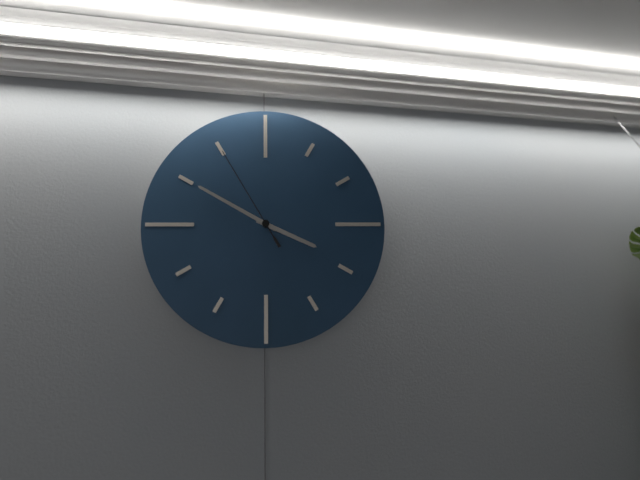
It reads h=3 m=50 s=55
